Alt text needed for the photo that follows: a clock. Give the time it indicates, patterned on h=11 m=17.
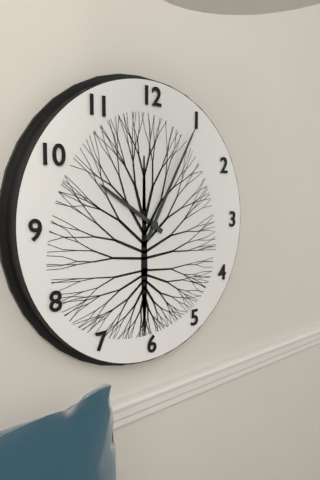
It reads h=10 m=5
